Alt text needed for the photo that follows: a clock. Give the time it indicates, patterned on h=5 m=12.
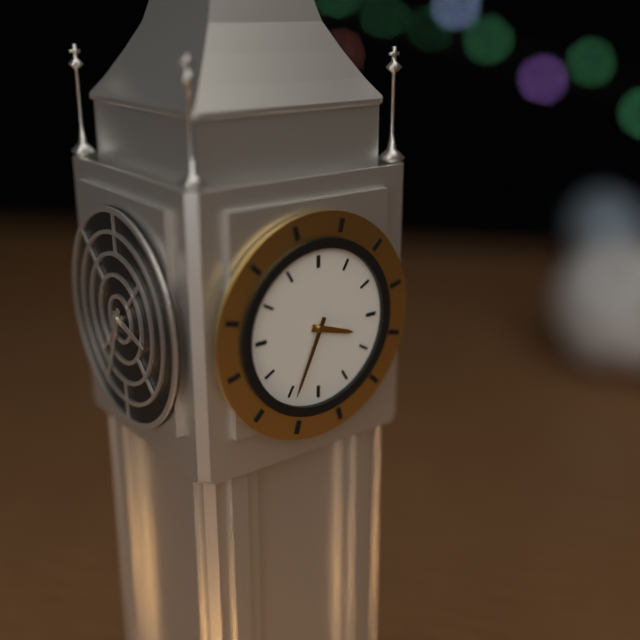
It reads h=3 m=34
